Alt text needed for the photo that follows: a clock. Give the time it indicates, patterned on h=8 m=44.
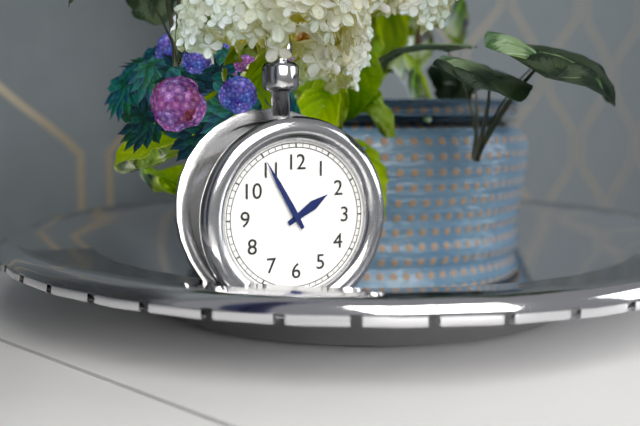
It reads h=1 m=55
